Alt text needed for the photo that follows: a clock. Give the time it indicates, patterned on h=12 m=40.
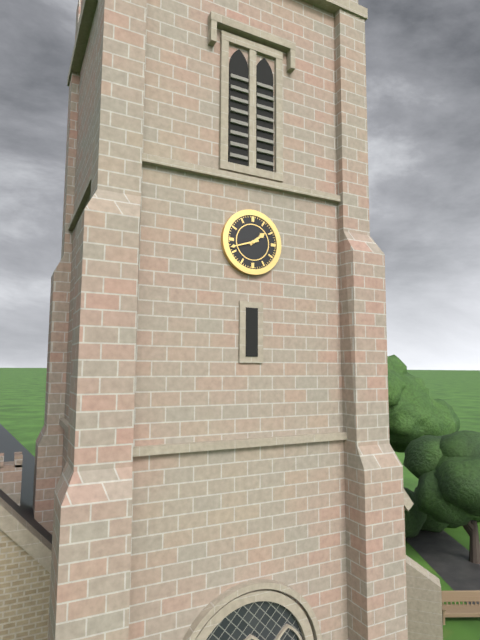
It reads h=1 m=42
